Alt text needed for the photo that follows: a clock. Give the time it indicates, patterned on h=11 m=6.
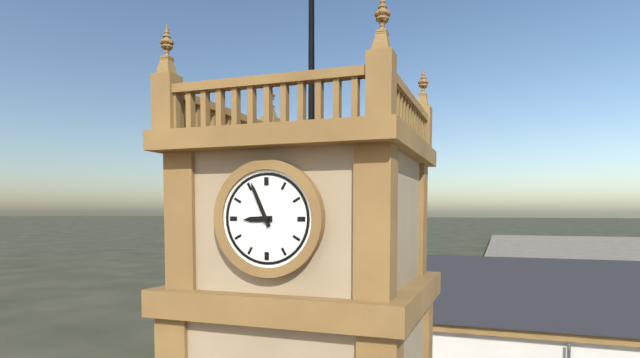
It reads h=8 m=56
